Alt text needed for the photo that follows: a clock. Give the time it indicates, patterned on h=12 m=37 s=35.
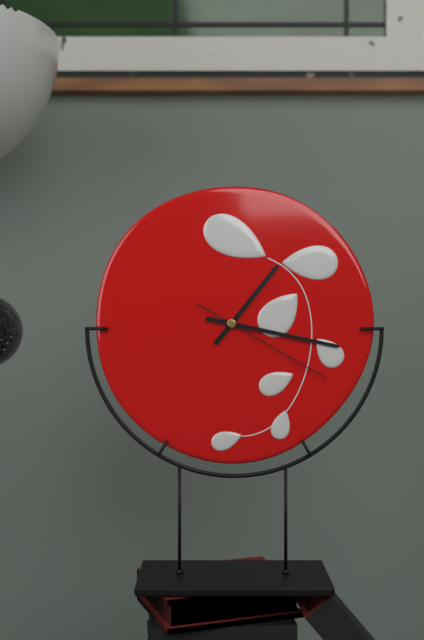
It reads h=1 m=17 s=20
